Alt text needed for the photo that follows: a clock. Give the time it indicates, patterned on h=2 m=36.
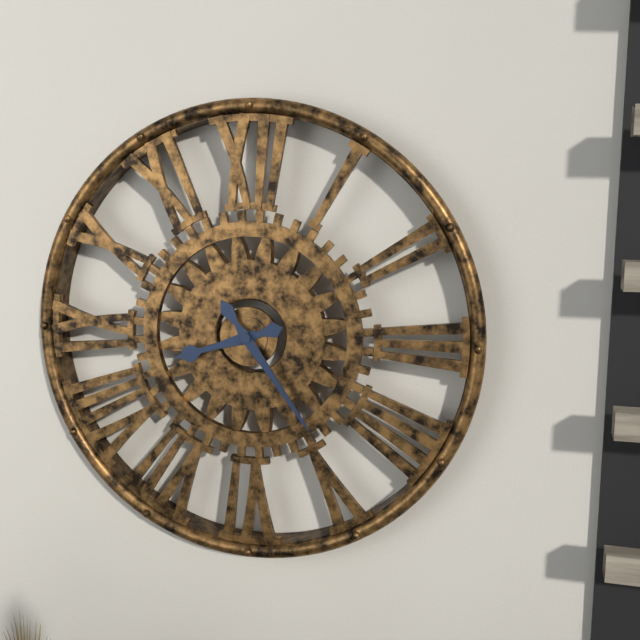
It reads h=8 m=24
